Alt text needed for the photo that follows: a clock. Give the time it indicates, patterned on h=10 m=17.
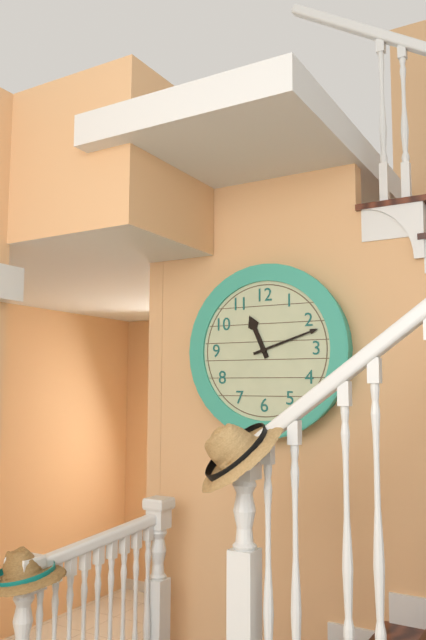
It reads h=11 m=12
